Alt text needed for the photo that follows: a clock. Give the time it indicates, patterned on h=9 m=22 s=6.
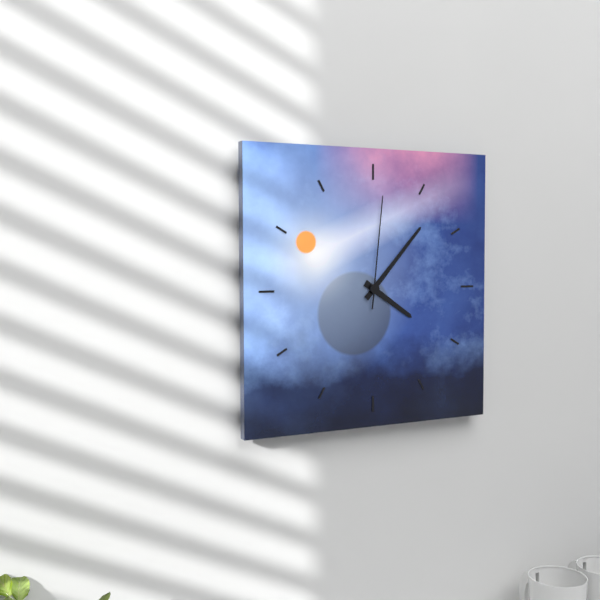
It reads h=4 m=7 s=1
